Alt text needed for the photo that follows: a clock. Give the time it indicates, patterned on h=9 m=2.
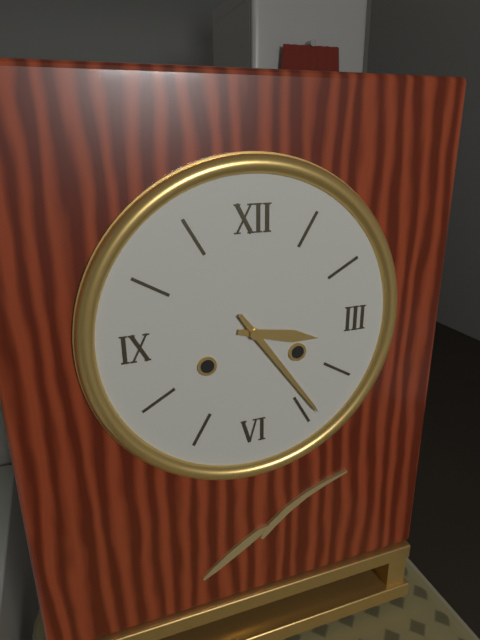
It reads h=3 m=24
